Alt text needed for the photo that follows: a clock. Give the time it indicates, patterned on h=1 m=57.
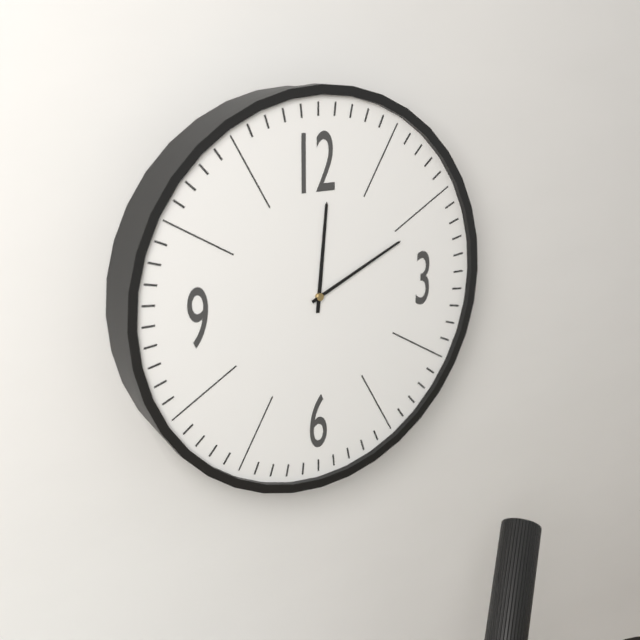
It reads h=12 m=11
